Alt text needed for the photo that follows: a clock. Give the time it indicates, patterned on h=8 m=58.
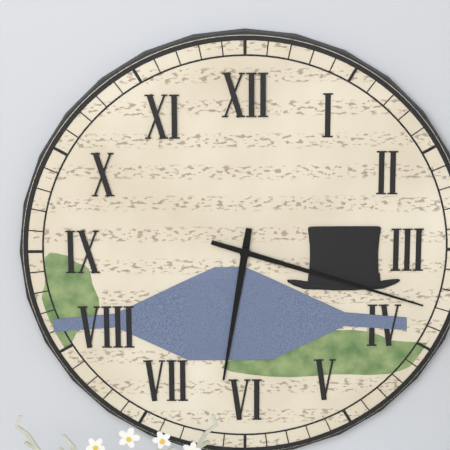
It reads h=6 m=18
